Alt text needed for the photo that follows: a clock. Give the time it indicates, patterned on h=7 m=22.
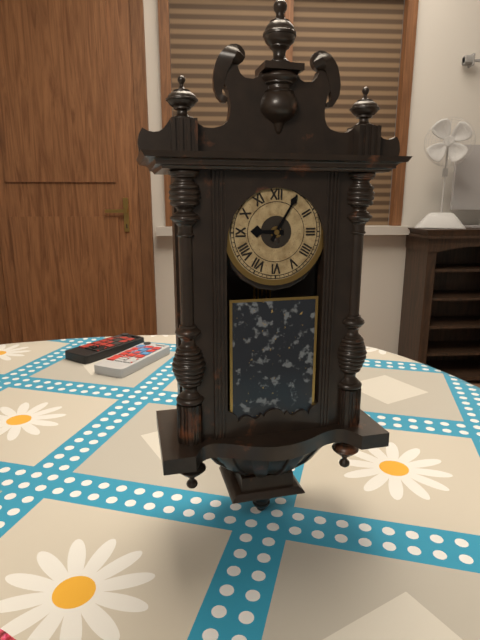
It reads h=9 m=5
